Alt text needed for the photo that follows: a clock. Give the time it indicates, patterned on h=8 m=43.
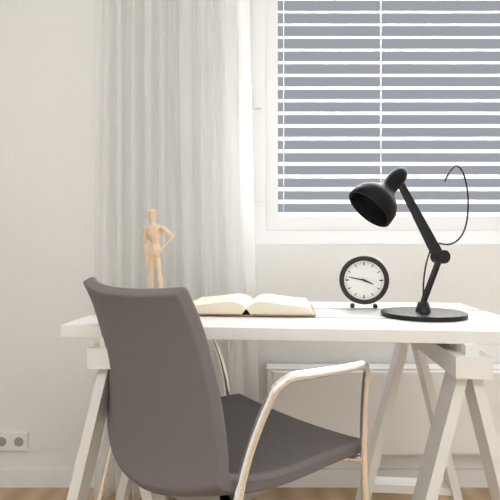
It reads h=3 m=47
